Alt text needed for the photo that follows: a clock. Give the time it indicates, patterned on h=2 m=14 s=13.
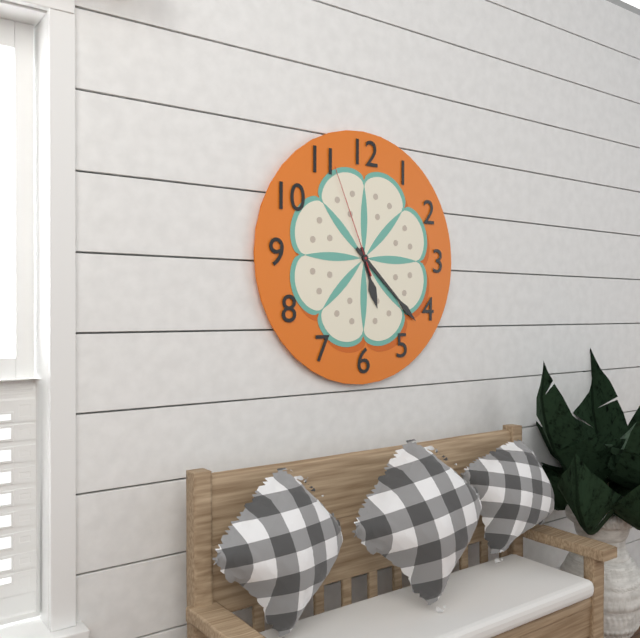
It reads h=5 m=22 s=56
